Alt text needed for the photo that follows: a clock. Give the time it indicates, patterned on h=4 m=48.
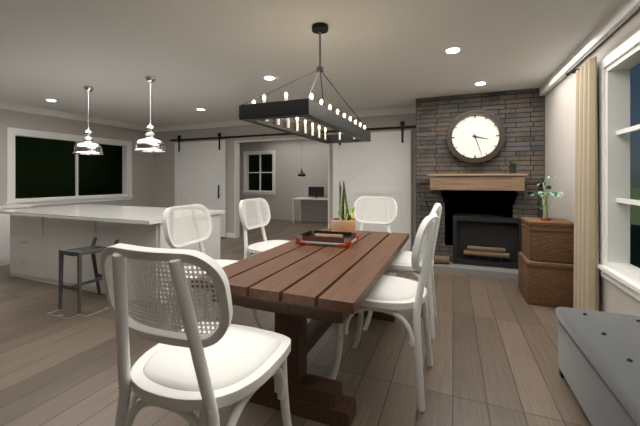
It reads h=3 m=27
